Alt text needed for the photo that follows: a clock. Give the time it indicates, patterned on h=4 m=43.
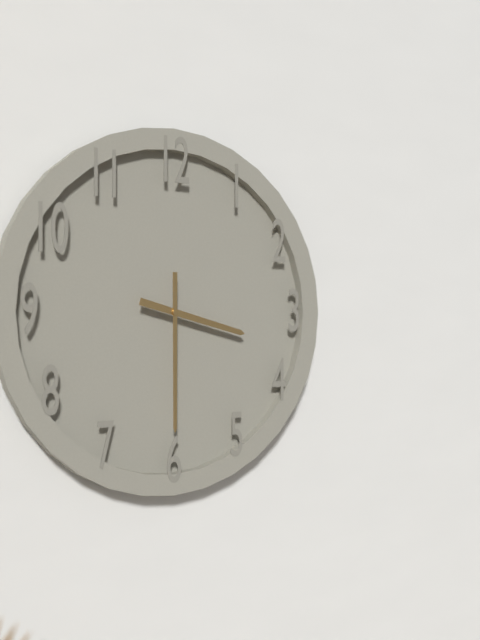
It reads h=3 m=30
